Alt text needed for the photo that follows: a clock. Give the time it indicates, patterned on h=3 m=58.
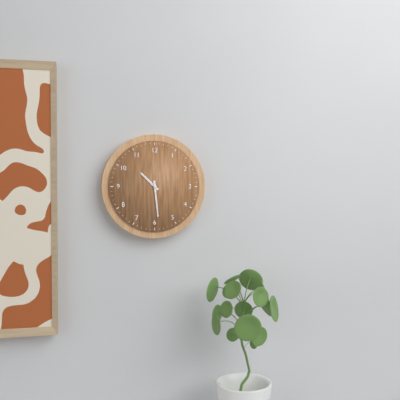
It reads h=10 m=29
